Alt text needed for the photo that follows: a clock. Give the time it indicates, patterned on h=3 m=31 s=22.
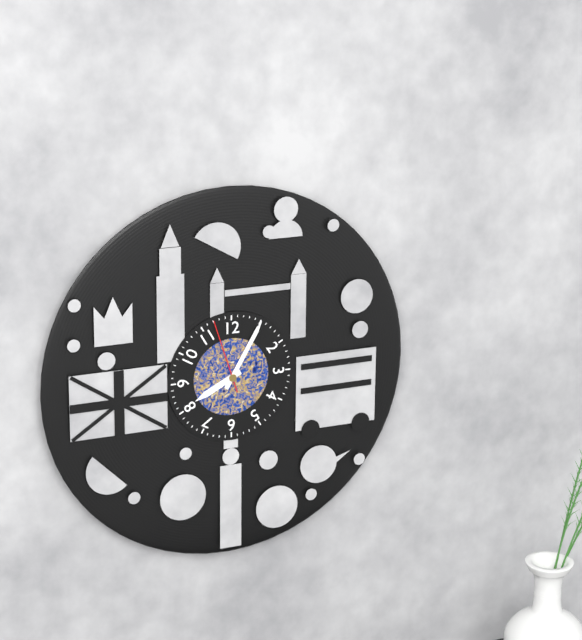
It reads h=8 m=5 s=57
